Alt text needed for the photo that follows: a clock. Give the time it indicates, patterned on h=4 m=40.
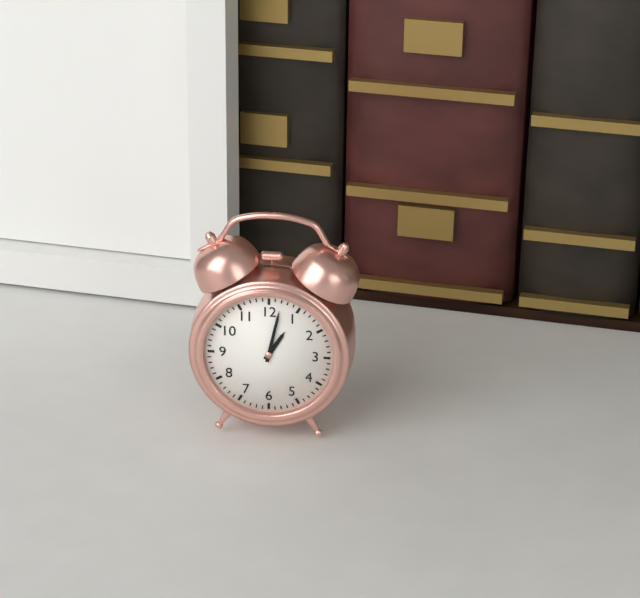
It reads h=1 m=2
